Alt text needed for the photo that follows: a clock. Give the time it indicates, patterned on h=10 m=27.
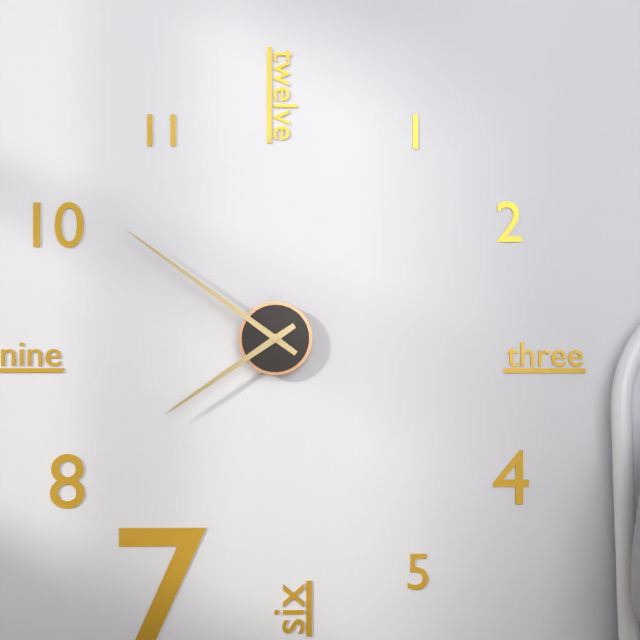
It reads h=7 m=51
